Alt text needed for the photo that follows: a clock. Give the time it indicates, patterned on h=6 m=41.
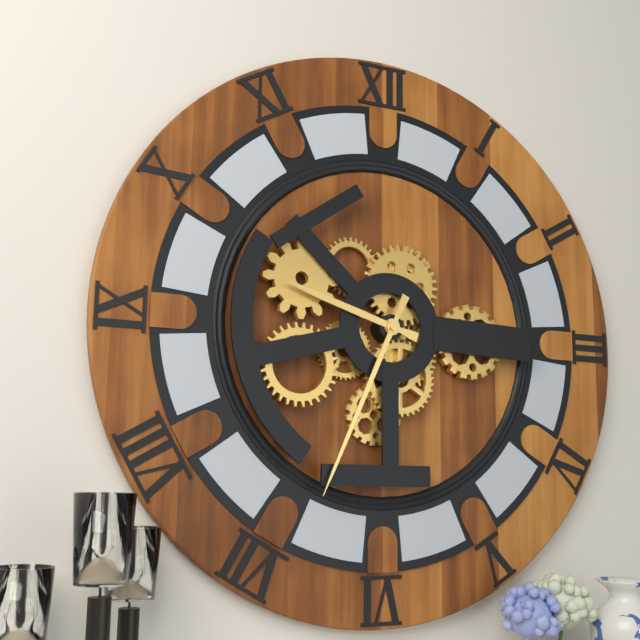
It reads h=9 m=34
